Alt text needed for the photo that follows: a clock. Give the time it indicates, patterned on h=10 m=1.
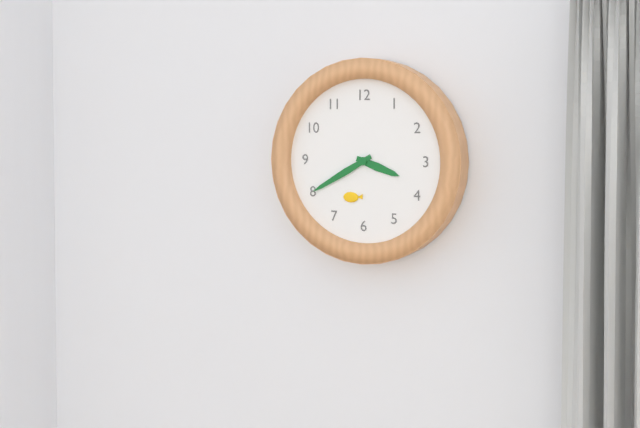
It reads h=3 m=40
